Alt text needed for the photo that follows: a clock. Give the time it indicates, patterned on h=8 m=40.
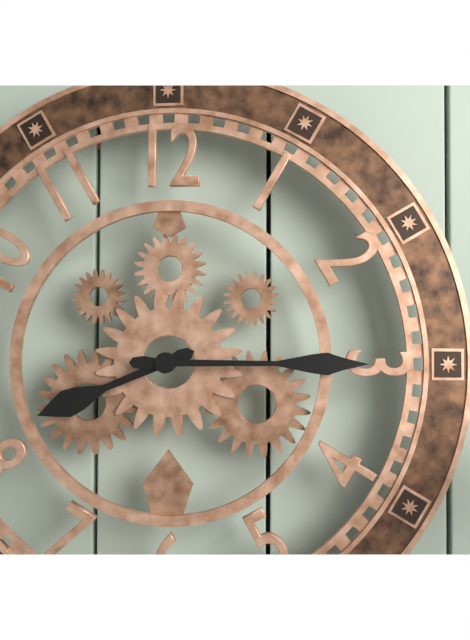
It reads h=8 m=15
